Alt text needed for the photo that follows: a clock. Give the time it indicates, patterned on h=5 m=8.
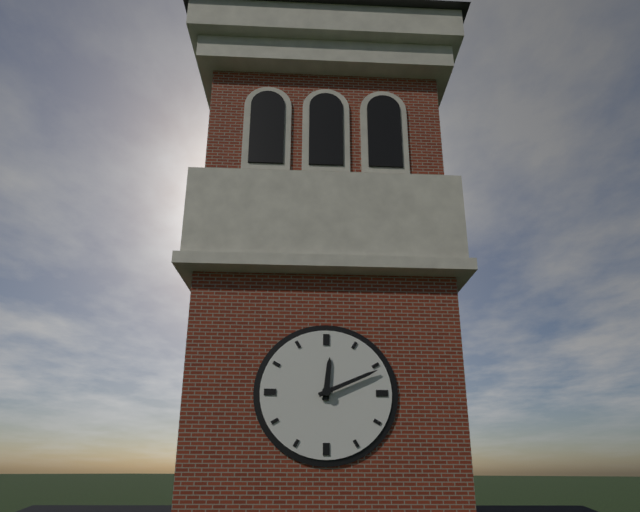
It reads h=12 m=11
